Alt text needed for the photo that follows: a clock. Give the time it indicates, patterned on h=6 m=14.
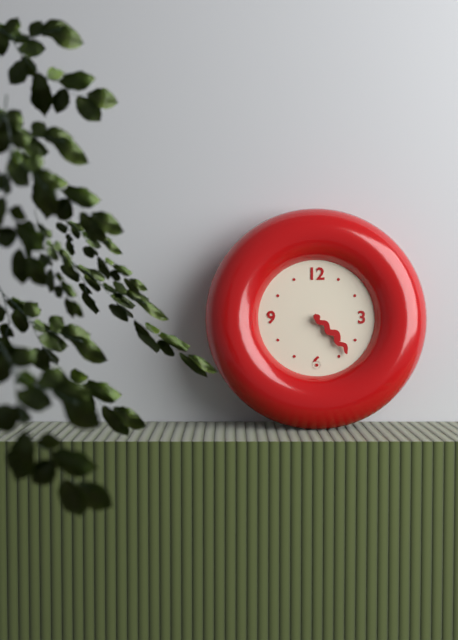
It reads h=4 m=23
